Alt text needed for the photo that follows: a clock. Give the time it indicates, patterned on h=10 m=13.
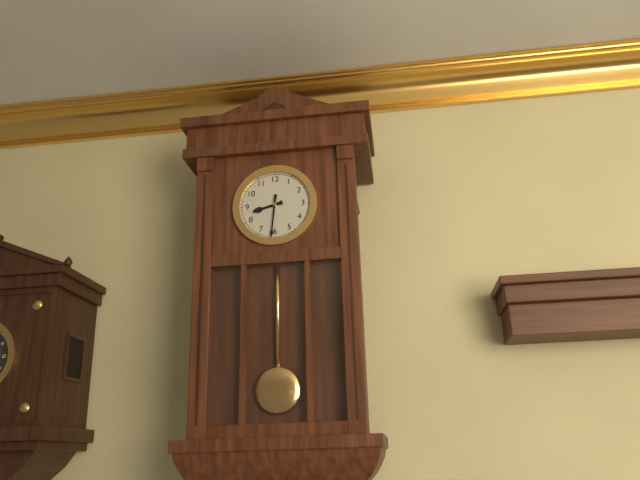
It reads h=8 m=31
